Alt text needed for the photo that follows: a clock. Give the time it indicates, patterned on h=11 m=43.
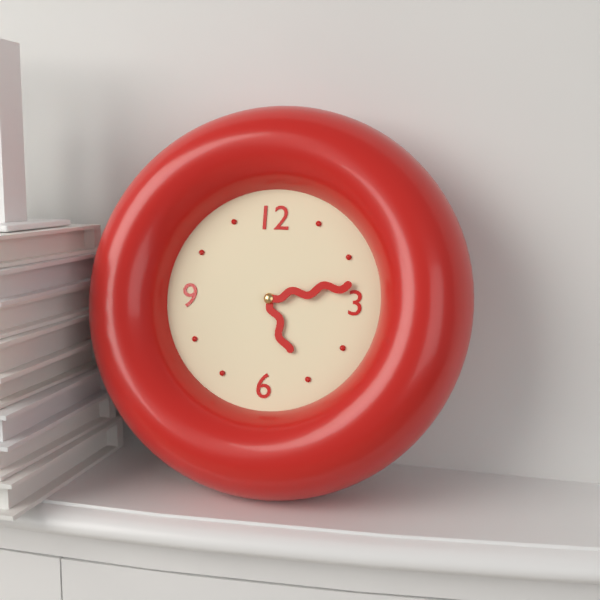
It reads h=5 m=13
